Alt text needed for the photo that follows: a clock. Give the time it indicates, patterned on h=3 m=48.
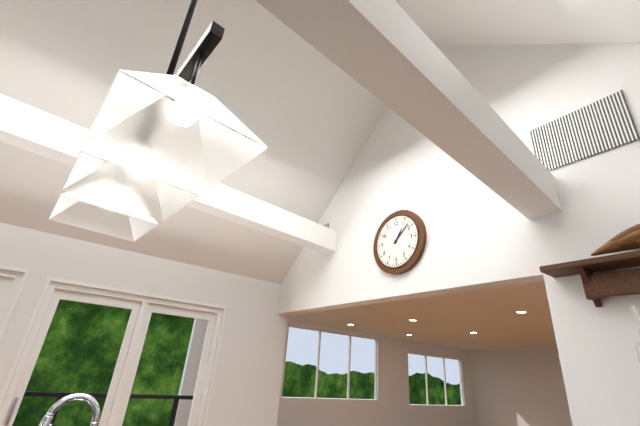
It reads h=1 m=8
